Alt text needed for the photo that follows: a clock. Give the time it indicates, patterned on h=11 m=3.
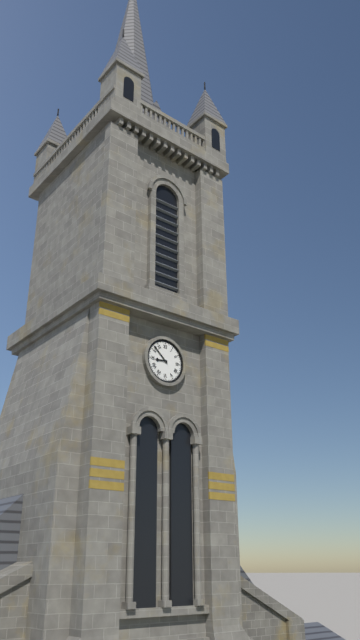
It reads h=8 m=52
